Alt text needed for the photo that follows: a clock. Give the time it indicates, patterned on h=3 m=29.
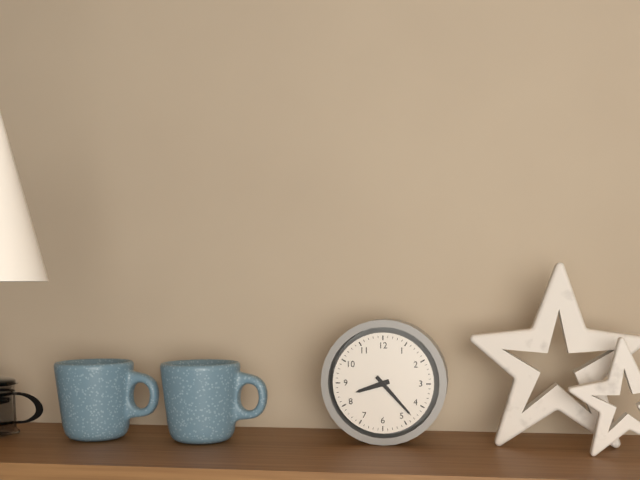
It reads h=8 m=23
